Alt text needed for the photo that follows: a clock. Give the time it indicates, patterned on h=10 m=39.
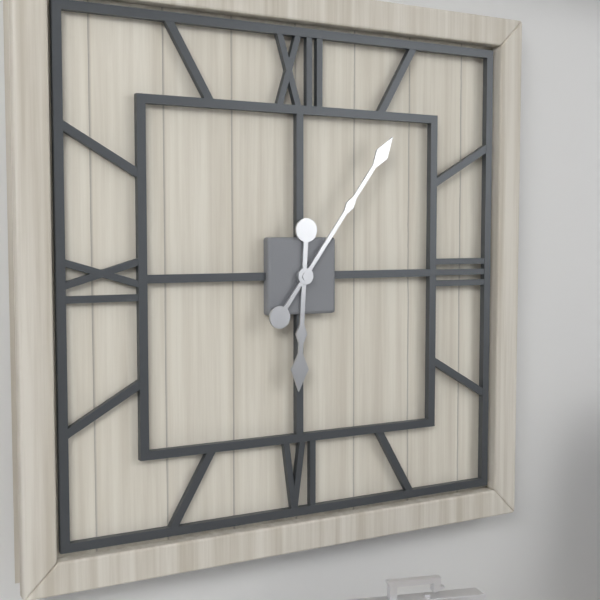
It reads h=6 m=6
